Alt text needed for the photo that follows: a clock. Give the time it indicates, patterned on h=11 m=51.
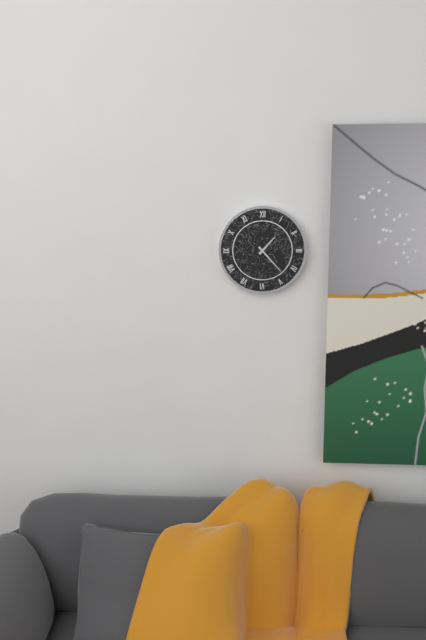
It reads h=1 m=23
